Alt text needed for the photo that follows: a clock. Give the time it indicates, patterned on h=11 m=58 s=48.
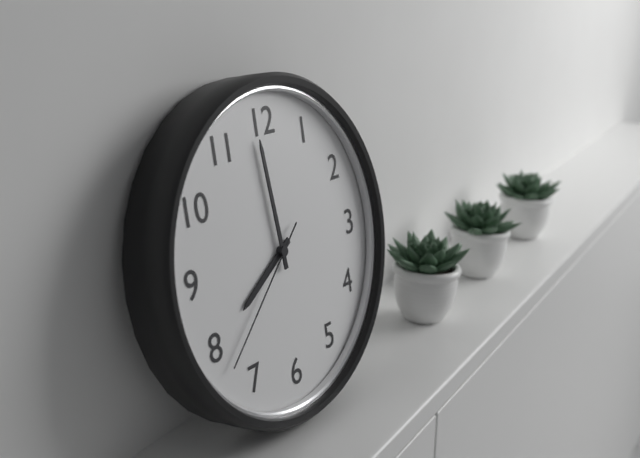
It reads h=7 m=59 s=38
